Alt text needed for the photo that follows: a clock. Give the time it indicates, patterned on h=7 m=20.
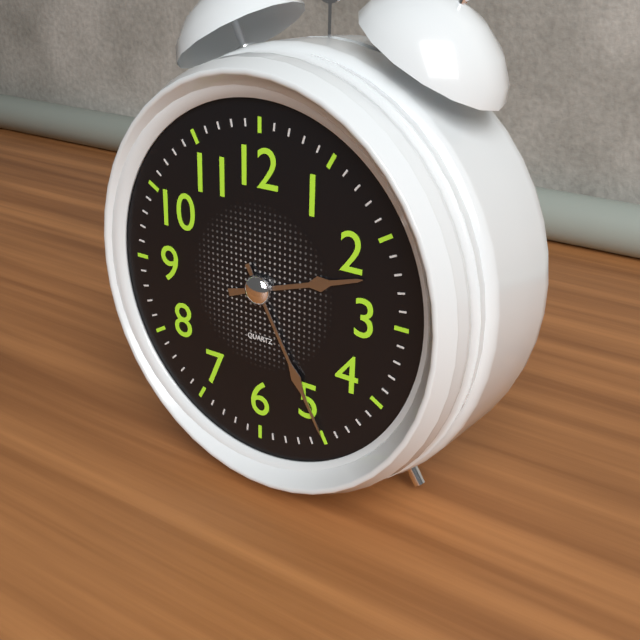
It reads h=2 m=25
